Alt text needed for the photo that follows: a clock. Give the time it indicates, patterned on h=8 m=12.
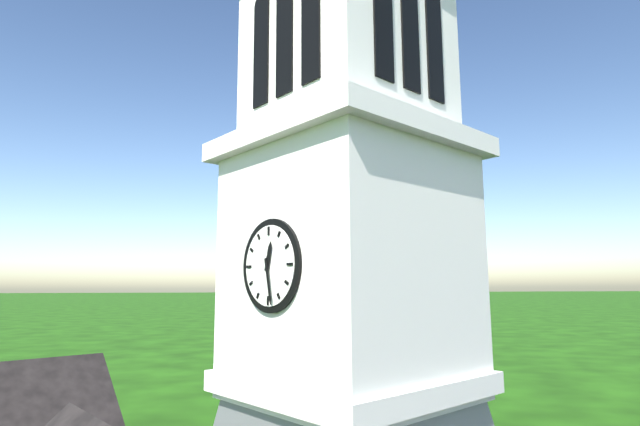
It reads h=12 m=28
